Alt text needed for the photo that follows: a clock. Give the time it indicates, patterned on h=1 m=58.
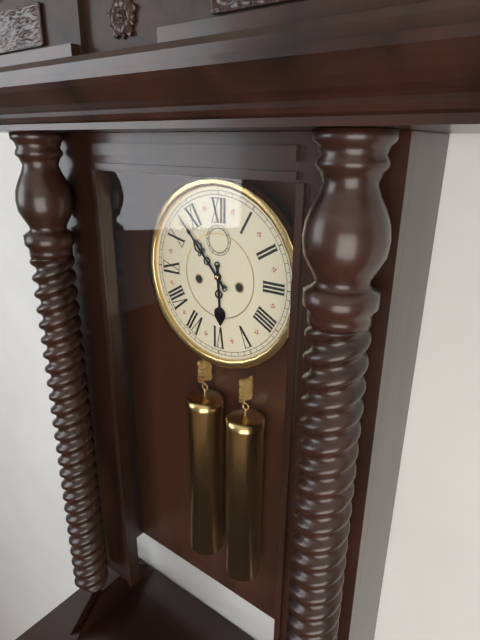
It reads h=5 m=53
